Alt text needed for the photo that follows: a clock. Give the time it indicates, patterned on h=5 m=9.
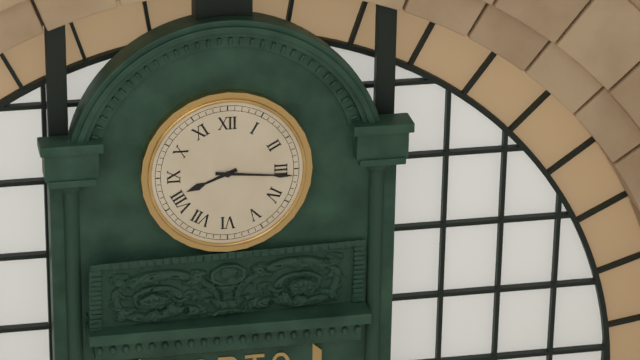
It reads h=8 m=16
